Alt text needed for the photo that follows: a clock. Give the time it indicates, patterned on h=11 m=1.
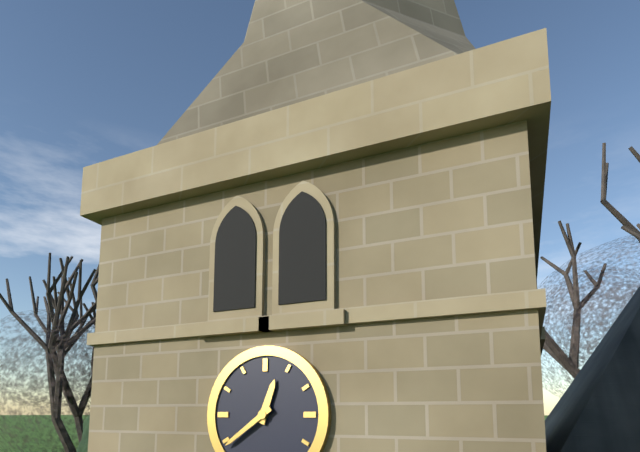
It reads h=12 m=39
